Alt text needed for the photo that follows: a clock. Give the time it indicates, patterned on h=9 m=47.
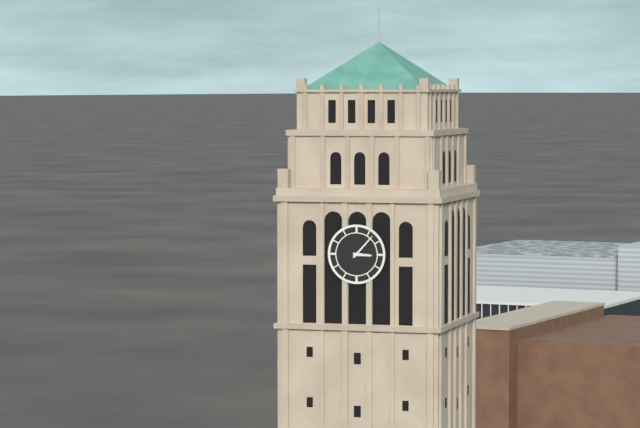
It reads h=3 m=7
